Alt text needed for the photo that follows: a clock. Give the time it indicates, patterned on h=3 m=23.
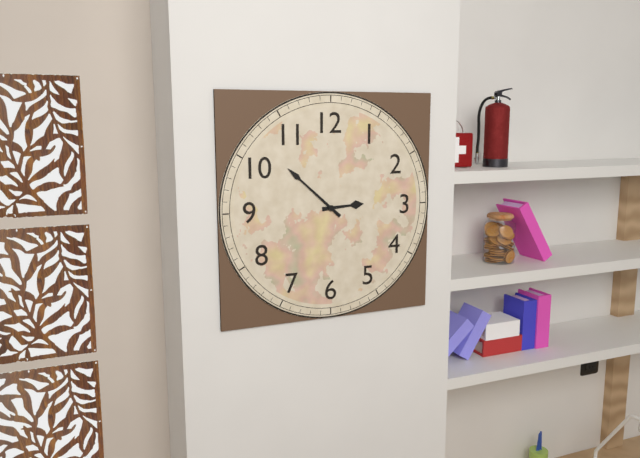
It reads h=2 m=52
